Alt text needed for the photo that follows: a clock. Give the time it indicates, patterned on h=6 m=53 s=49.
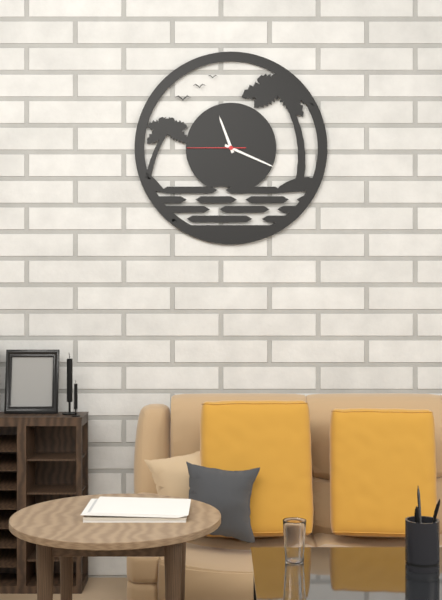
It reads h=11 m=19 s=45
